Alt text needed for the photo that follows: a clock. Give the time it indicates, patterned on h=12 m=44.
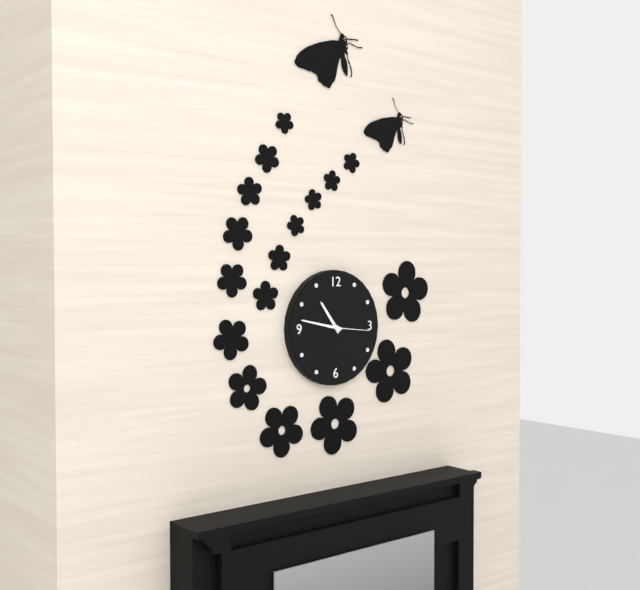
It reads h=10 m=47
